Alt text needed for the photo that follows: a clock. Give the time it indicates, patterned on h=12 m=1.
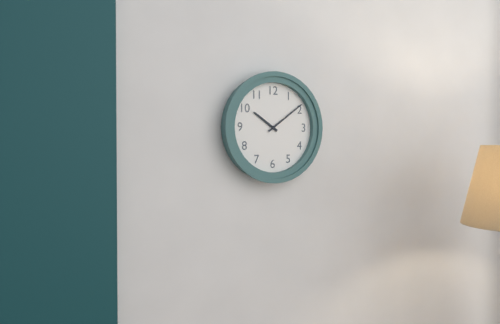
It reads h=10 m=9
